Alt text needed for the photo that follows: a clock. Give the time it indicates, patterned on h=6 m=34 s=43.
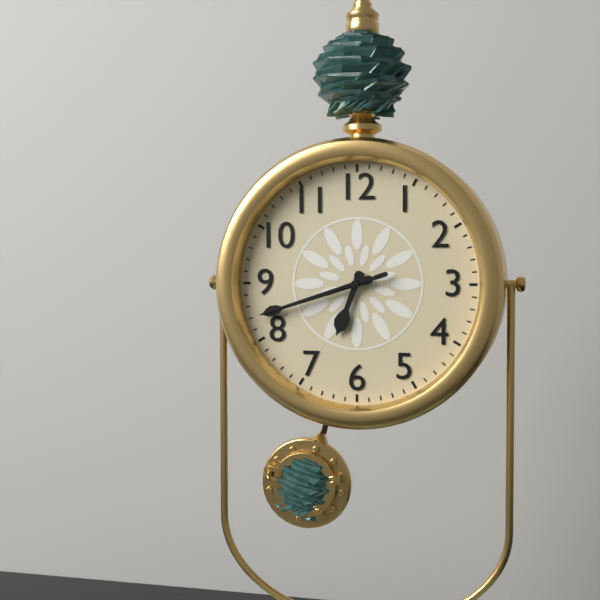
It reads h=6 m=42 s=42
